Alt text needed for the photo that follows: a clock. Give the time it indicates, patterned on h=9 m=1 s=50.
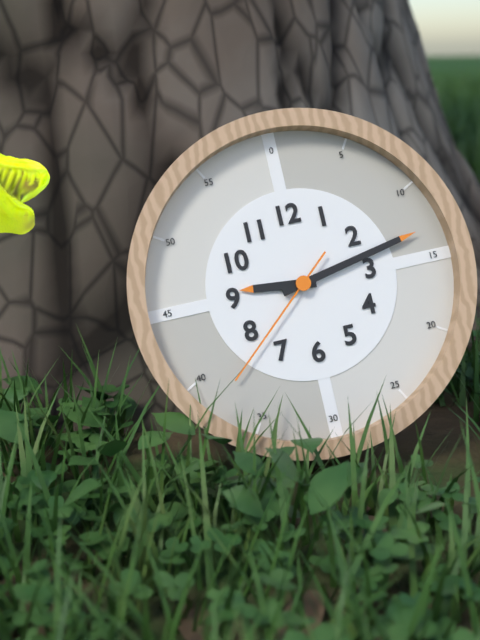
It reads h=9 m=13 s=38
